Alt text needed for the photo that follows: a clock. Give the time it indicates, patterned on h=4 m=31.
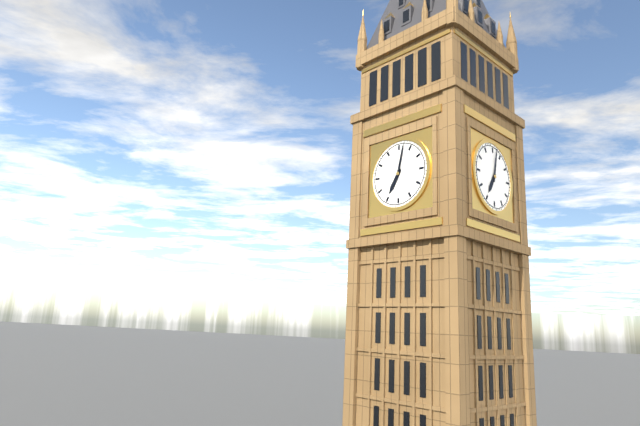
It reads h=7 m=2
